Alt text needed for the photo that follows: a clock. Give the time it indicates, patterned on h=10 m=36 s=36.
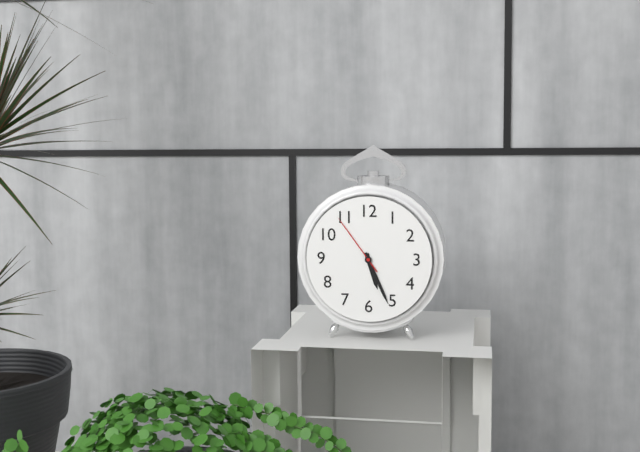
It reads h=5 m=26 s=54
